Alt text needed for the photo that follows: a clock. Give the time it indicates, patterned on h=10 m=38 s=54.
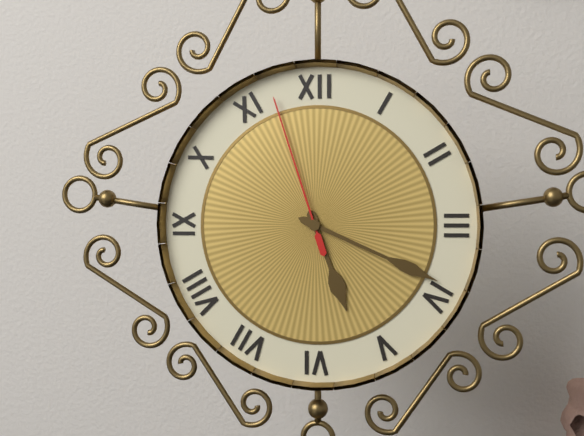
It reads h=5 m=19 s=57
